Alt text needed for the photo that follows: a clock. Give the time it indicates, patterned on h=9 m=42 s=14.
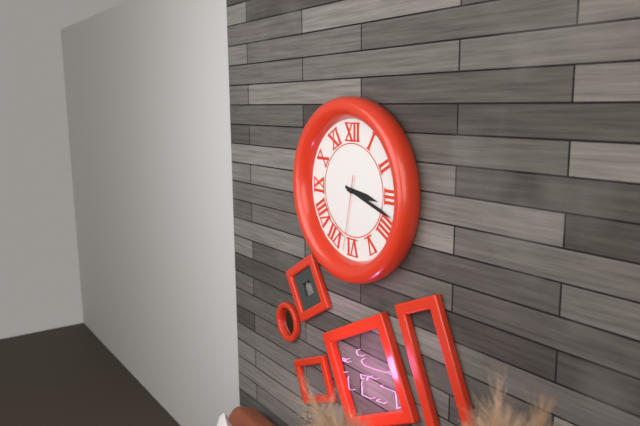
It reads h=3 m=18 s=32
